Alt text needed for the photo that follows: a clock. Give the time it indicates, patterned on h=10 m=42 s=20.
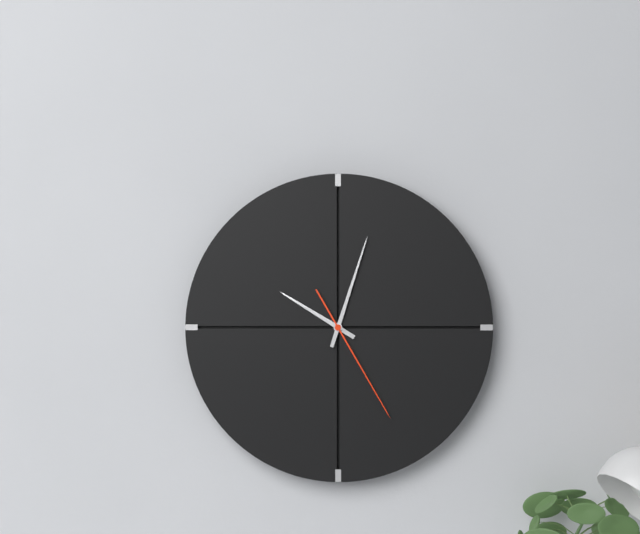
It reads h=10 m=3 s=25
